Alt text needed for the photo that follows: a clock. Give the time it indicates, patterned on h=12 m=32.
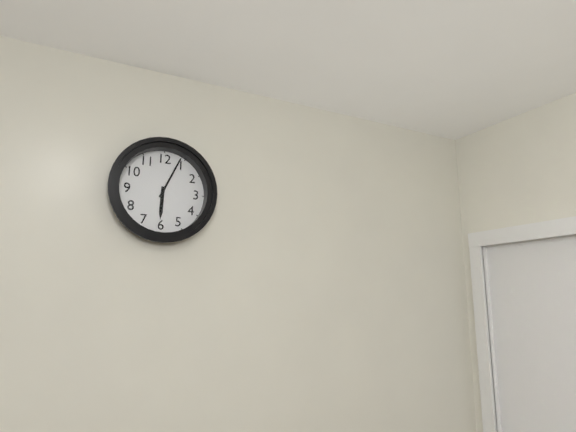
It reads h=6 m=4
